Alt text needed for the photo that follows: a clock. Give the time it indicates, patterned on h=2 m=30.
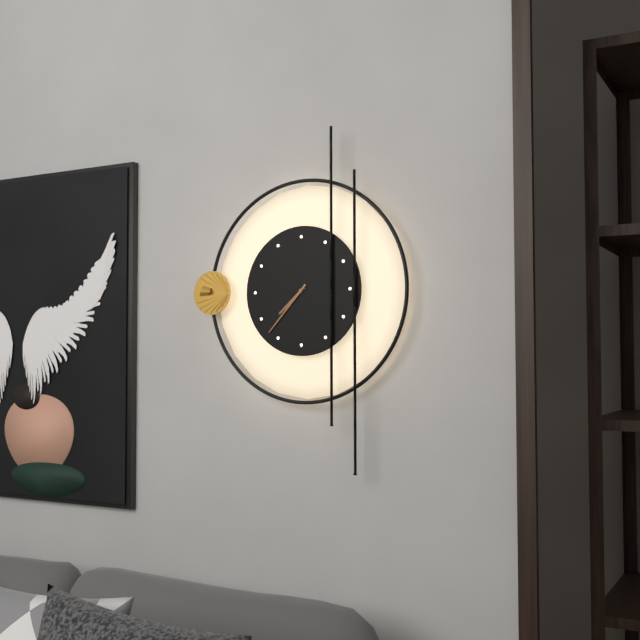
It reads h=7 m=37
